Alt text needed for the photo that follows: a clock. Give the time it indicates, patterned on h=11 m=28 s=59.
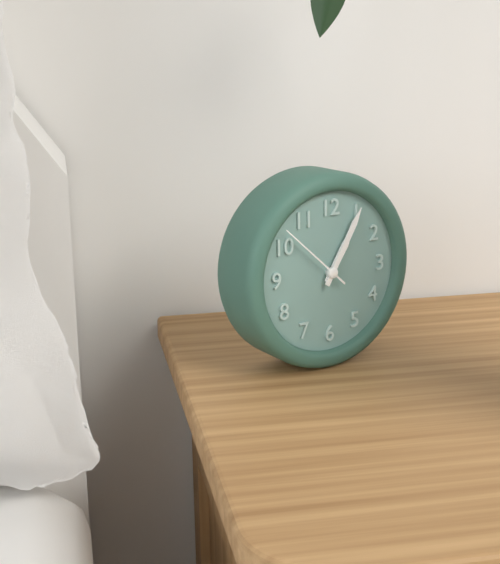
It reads h=1 m=5 s=52
